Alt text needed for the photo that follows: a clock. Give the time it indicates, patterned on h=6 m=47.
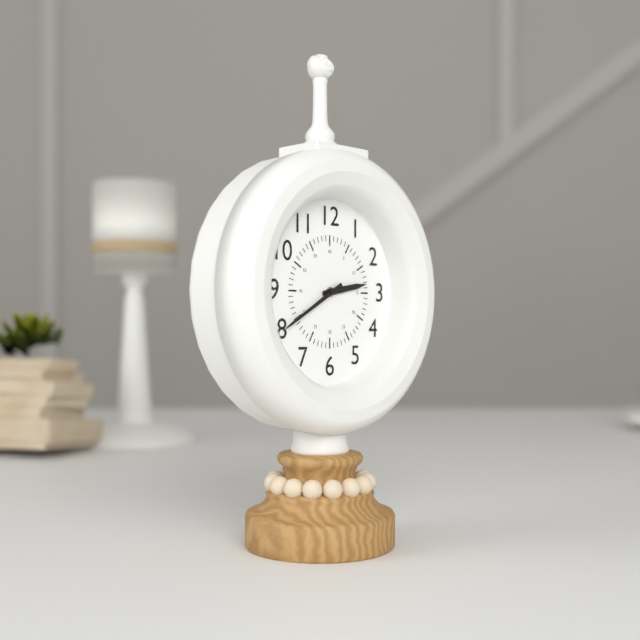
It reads h=2 m=40
